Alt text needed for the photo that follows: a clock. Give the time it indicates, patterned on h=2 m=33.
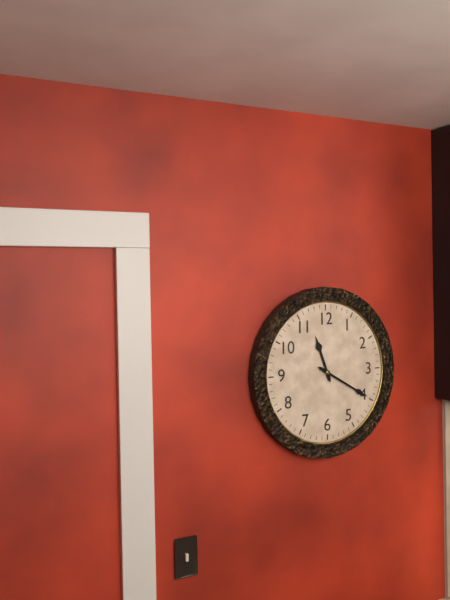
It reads h=11 m=20
